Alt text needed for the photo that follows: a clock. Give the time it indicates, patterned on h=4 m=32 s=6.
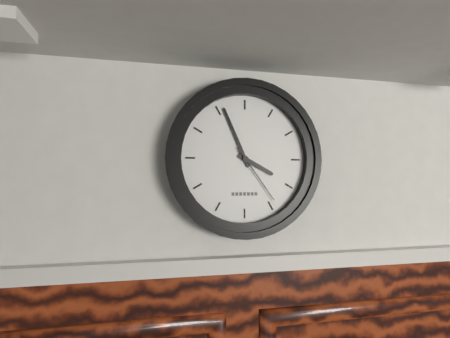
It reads h=3 m=56 s=24
